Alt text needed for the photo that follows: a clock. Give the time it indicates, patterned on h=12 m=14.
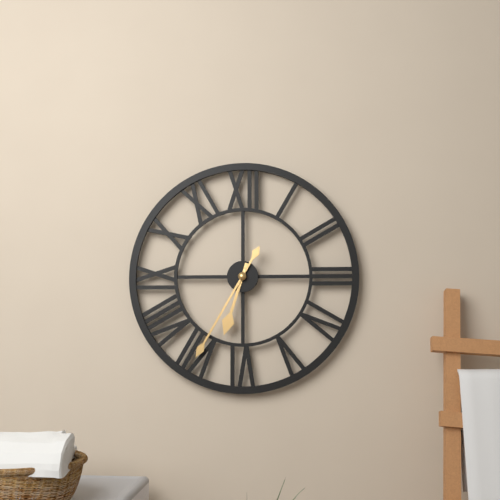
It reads h=6 m=35
